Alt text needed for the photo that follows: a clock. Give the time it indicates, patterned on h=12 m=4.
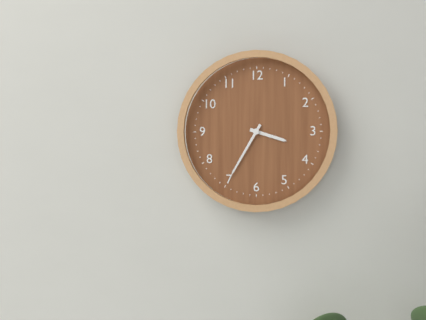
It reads h=3 m=35
